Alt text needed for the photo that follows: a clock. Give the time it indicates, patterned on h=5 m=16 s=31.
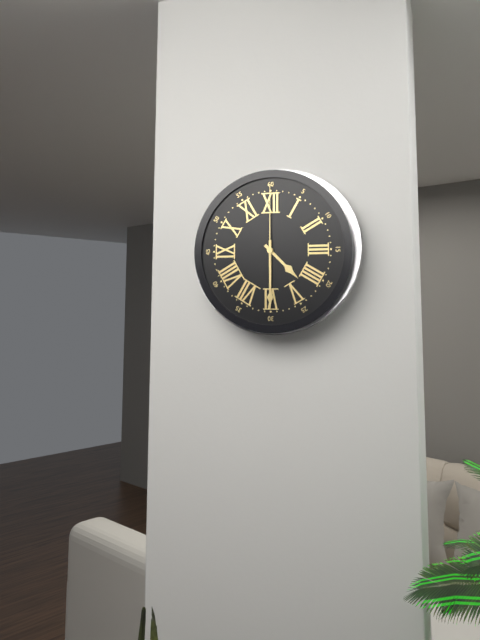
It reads h=4 m=30 s=0
